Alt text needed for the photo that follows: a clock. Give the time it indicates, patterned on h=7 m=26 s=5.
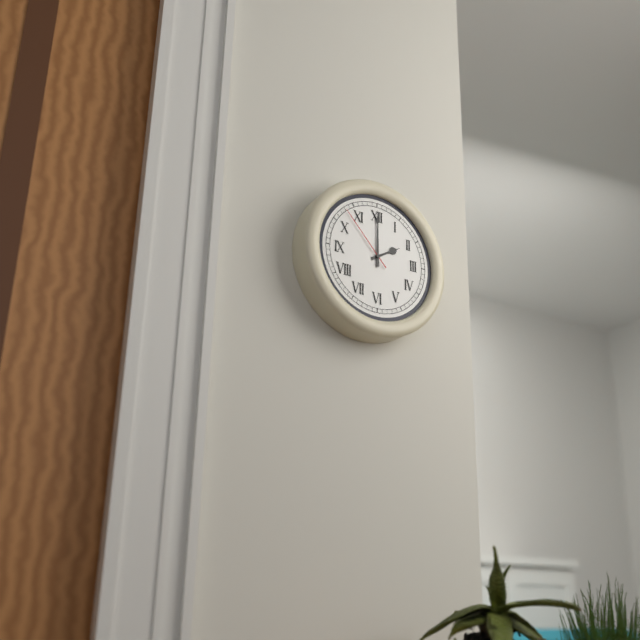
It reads h=2 m=0 s=53
